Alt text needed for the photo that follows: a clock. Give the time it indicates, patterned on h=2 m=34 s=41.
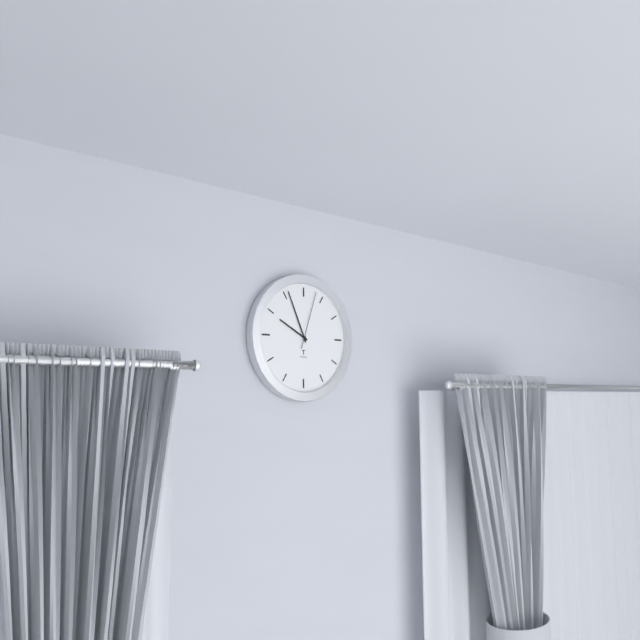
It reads h=9 m=56 s=3
